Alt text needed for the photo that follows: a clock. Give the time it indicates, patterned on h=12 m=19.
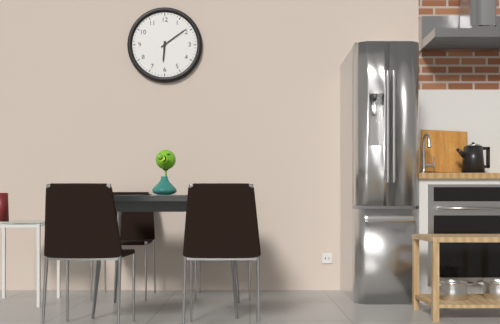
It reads h=6 m=9
